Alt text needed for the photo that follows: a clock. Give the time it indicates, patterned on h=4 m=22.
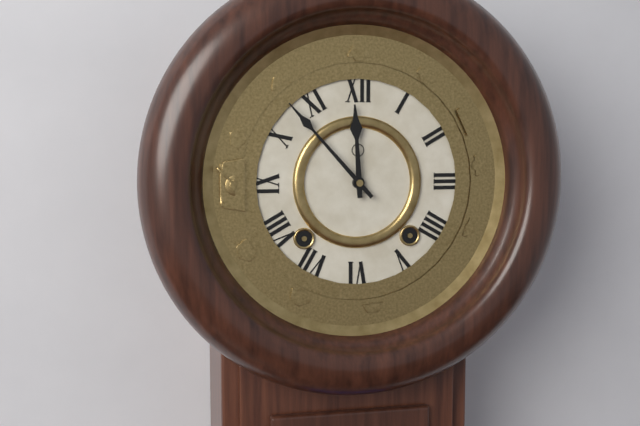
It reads h=11 m=53
